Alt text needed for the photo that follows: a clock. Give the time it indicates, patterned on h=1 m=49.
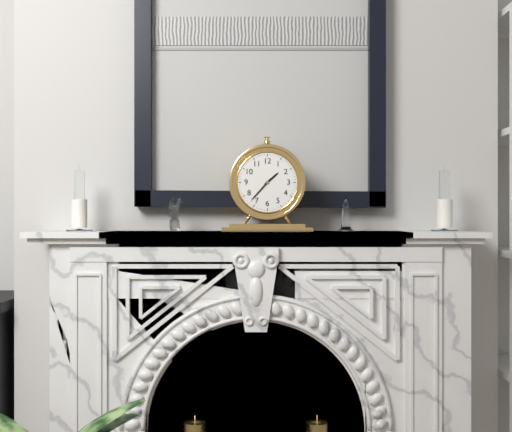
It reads h=1 m=37
